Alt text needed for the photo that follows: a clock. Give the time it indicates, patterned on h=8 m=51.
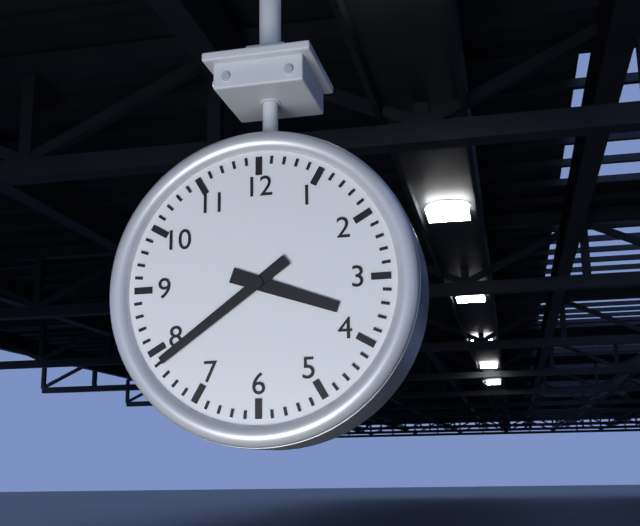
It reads h=3 m=39
